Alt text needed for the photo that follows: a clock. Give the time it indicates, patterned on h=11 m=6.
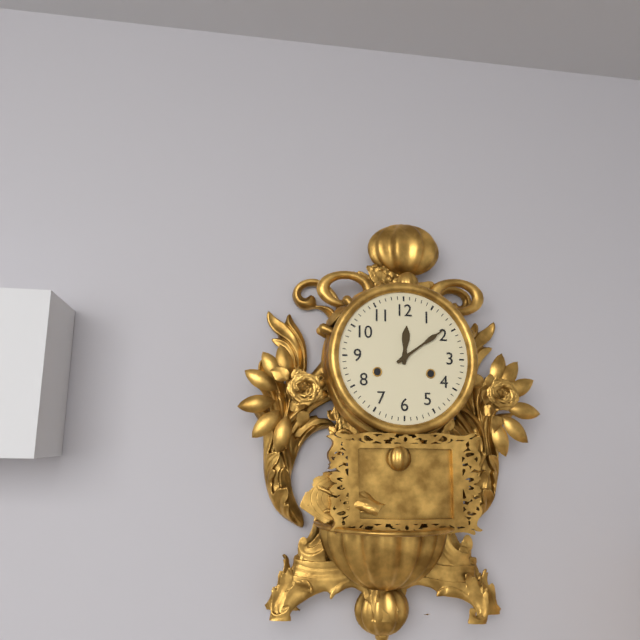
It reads h=12 m=9
